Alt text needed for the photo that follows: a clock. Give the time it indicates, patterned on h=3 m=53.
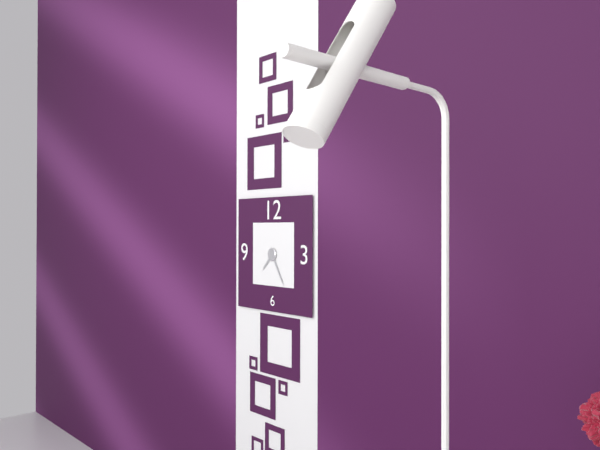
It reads h=7 m=25
